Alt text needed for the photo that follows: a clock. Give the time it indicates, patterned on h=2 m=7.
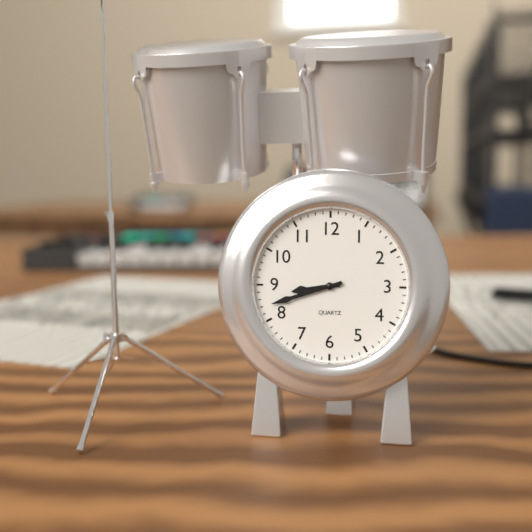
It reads h=8 m=42
